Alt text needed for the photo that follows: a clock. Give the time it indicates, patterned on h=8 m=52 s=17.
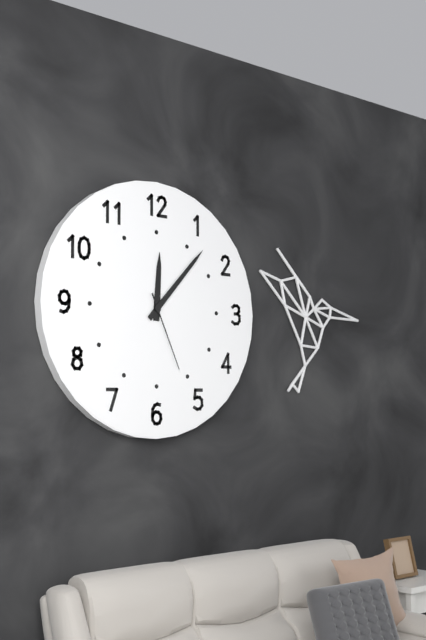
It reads h=12 m=7 s=26
